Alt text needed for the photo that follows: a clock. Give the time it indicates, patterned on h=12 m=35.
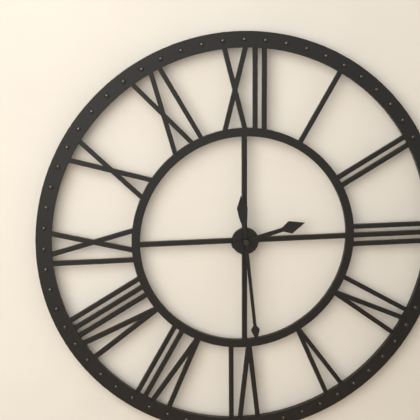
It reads h=2 m=29
